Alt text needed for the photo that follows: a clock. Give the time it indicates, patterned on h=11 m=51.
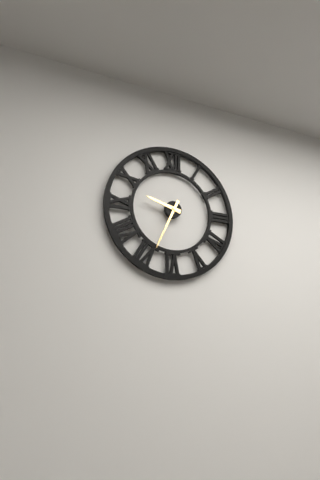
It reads h=9 m=34
